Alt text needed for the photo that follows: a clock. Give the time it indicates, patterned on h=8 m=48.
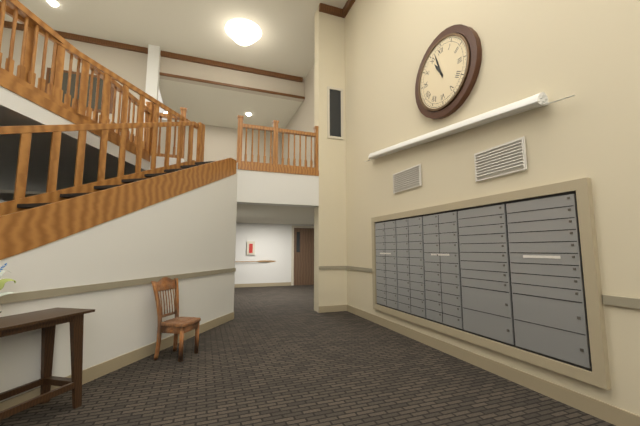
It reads h=10 m=57
